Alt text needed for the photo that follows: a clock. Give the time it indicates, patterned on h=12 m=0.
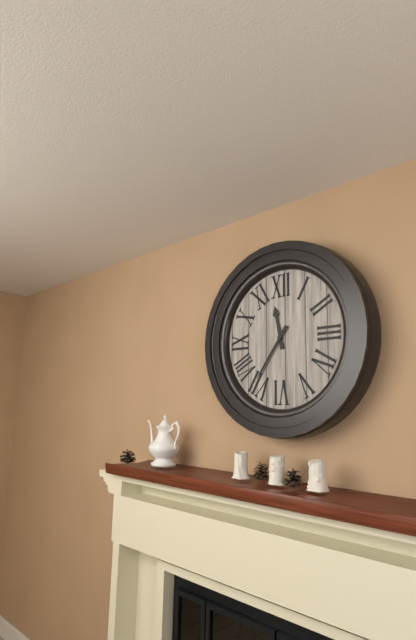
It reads h=11 m=36
